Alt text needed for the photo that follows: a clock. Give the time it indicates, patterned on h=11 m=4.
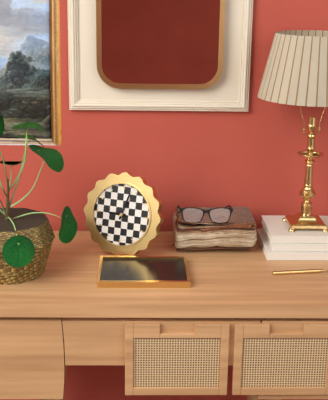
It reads h=9 m=3
